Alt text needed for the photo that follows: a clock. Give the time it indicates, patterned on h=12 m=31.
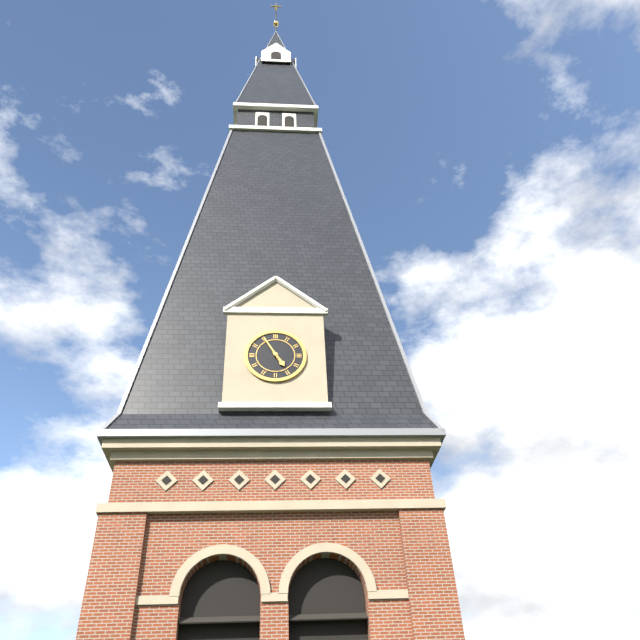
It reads h=4 m=55
